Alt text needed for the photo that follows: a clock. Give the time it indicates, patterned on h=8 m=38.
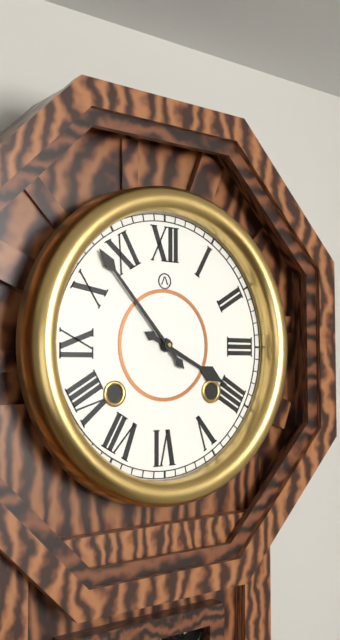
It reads h=3 m=53
